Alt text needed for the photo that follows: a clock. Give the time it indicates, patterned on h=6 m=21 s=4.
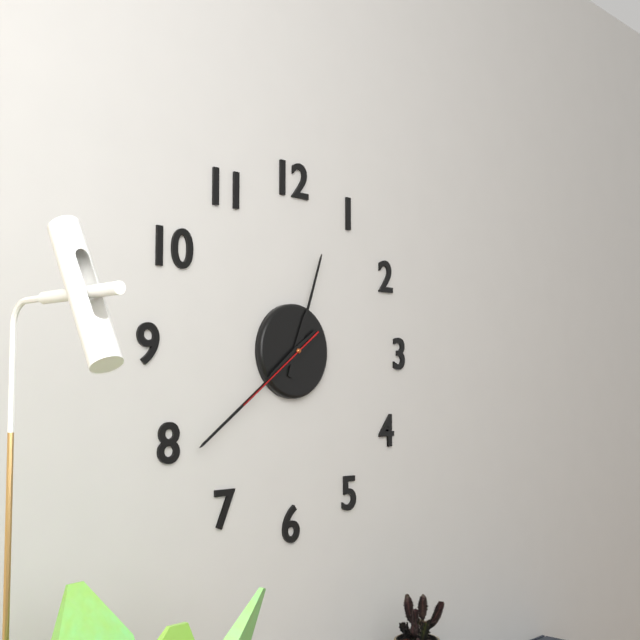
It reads h=12 m=39 s=39
